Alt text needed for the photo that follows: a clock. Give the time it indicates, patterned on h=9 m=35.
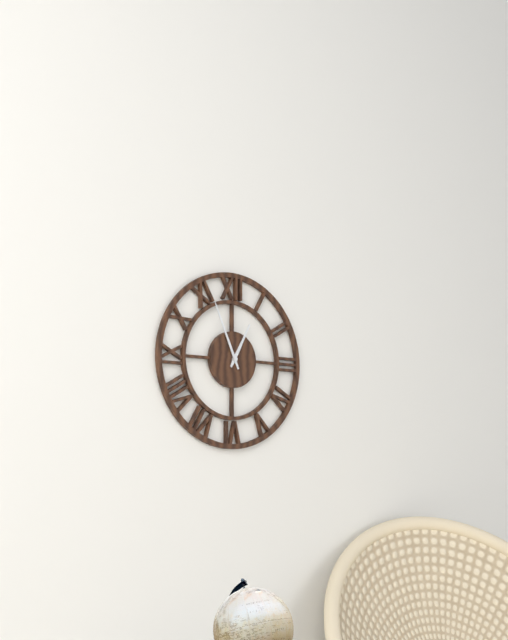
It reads h=12 m=56
